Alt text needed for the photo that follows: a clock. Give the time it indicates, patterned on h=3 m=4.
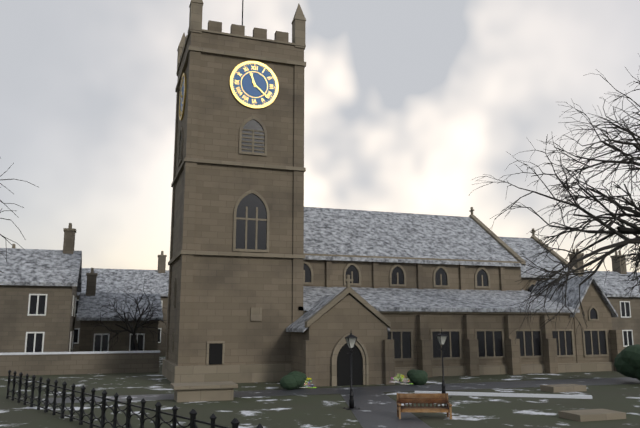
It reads h=11 m=22
